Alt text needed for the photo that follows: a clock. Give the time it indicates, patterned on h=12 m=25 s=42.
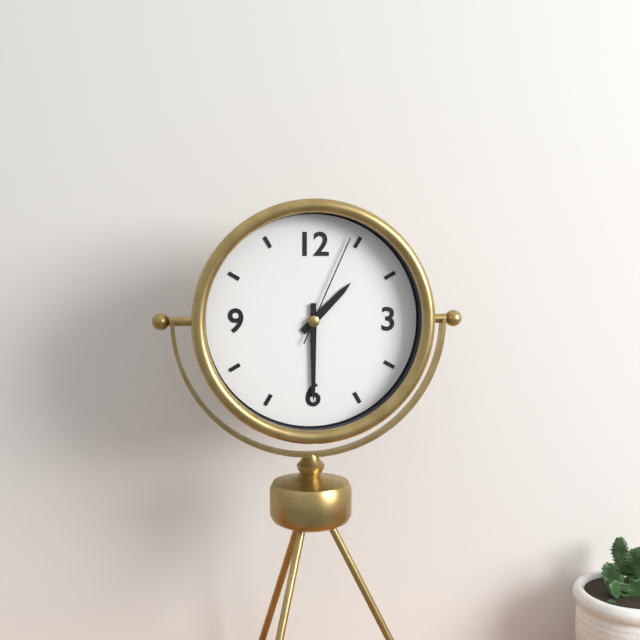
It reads h=1 m=30 s=4
